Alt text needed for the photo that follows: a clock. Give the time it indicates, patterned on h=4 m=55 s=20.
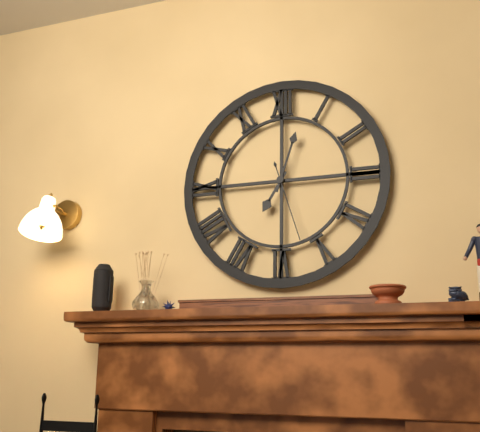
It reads h=7 m=3 s=27
